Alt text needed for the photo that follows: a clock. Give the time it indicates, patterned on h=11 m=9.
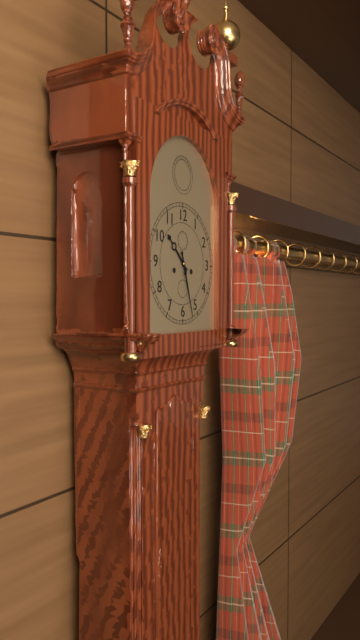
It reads h=10 m=27
